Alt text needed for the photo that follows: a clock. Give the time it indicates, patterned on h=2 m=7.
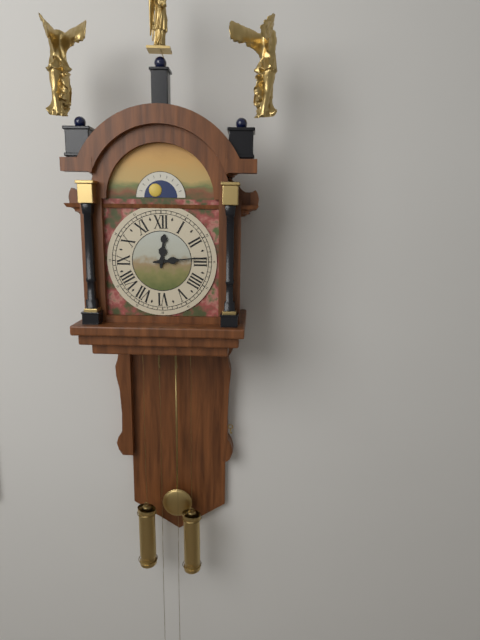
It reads h=12 m=14
